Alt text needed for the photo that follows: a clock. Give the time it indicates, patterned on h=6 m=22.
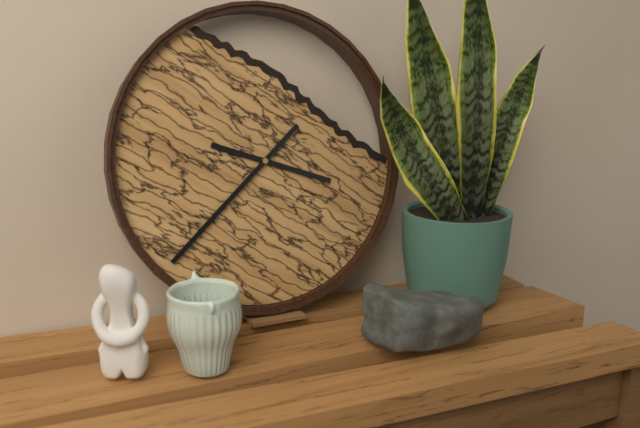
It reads h=3 m=38
